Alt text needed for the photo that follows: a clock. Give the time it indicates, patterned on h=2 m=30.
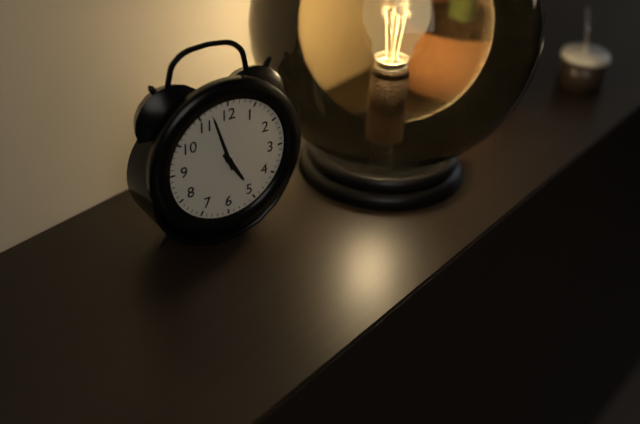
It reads h=4 m=57
